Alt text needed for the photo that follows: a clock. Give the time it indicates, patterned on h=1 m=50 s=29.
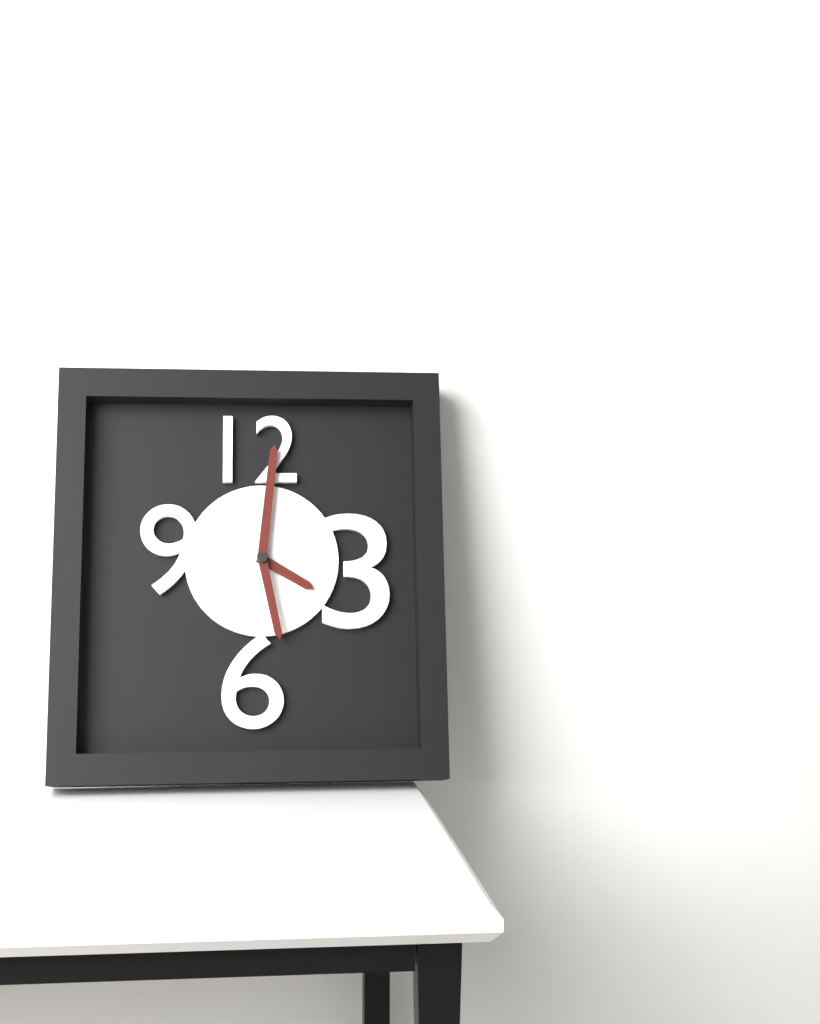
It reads h=4 m=1 s=28
